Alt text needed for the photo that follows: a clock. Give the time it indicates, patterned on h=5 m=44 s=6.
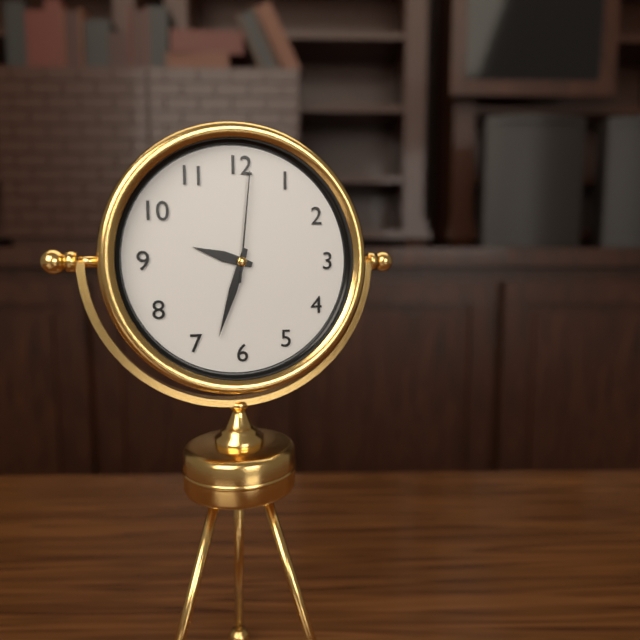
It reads h=9 m=33 s=1
